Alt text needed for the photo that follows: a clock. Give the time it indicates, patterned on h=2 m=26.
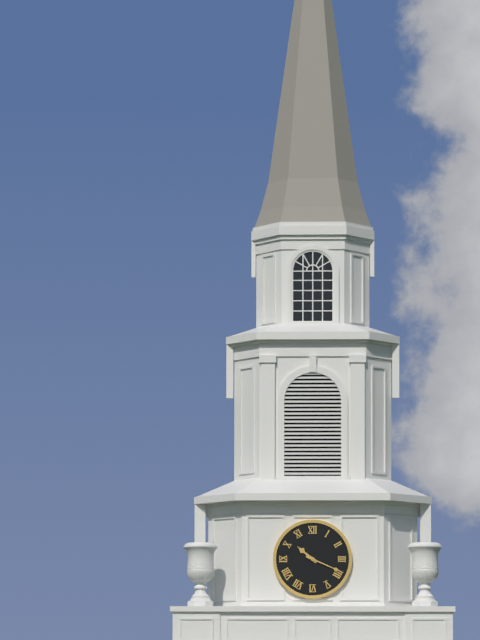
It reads h=10 m=19
